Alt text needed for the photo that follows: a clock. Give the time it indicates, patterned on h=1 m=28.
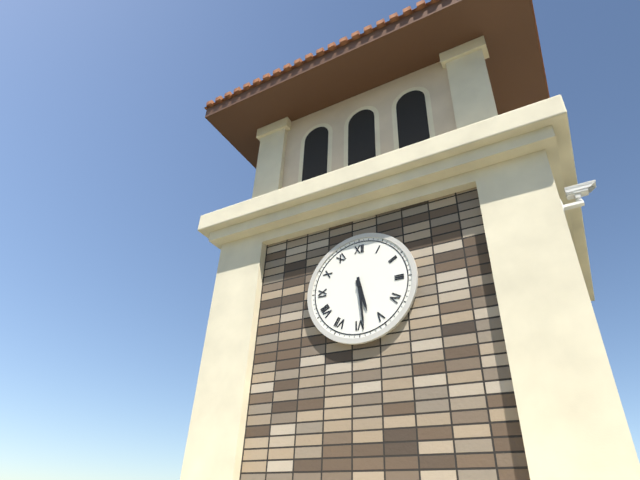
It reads h=5 m=29
